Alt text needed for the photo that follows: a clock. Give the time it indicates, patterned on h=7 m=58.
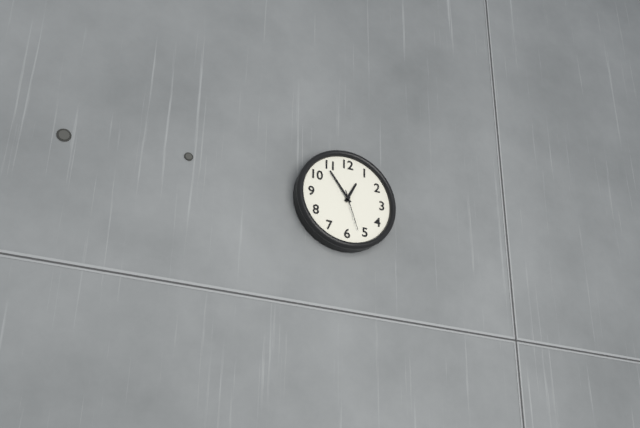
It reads h=12 m=54
